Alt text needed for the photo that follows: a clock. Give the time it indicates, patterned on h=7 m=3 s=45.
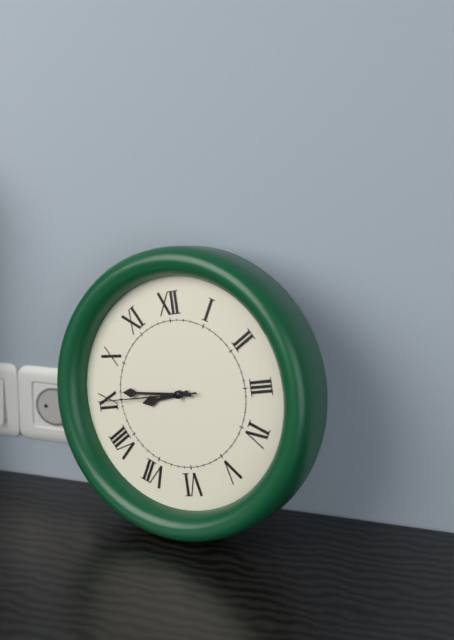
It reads h=8 m=46 s=45
